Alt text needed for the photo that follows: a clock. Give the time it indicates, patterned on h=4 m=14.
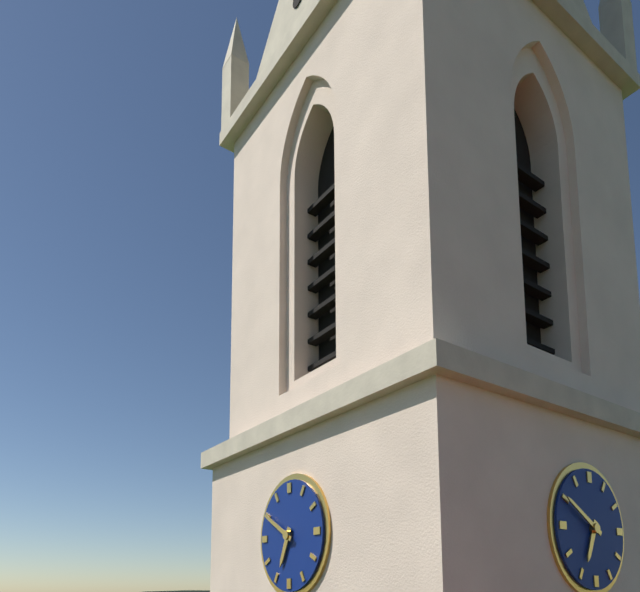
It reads h=6 m=50
